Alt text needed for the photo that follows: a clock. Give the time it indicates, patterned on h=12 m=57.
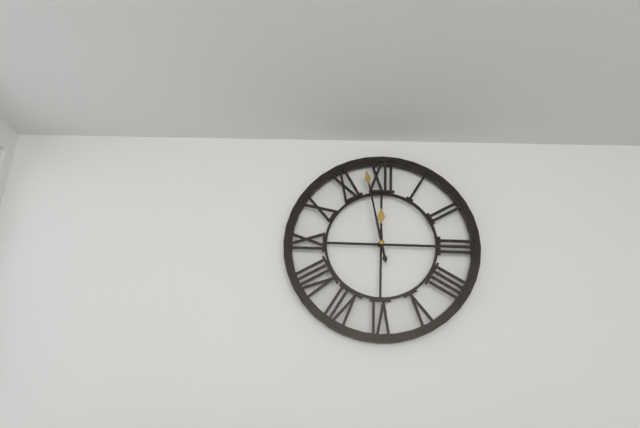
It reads h=11 m=58
